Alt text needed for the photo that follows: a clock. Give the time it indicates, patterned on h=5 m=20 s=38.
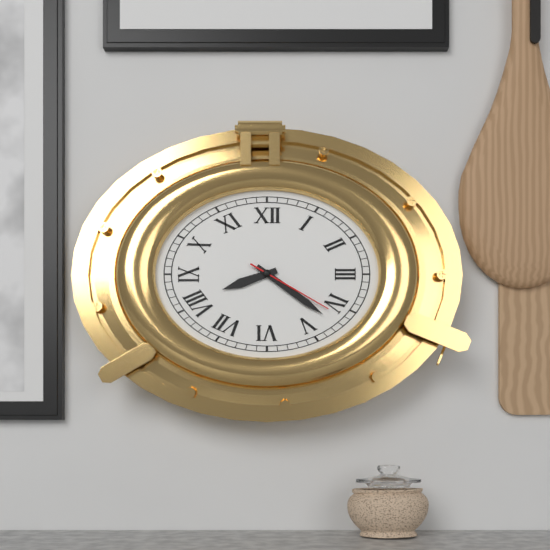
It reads h=8 m=21 s=20
